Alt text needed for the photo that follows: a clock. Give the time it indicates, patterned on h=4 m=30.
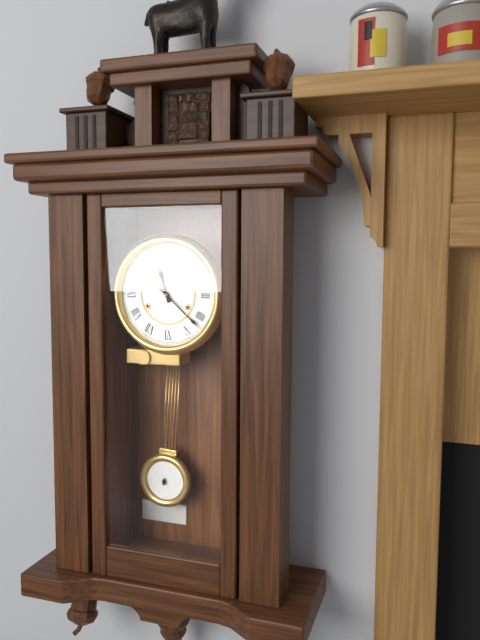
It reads h=11 m=22
